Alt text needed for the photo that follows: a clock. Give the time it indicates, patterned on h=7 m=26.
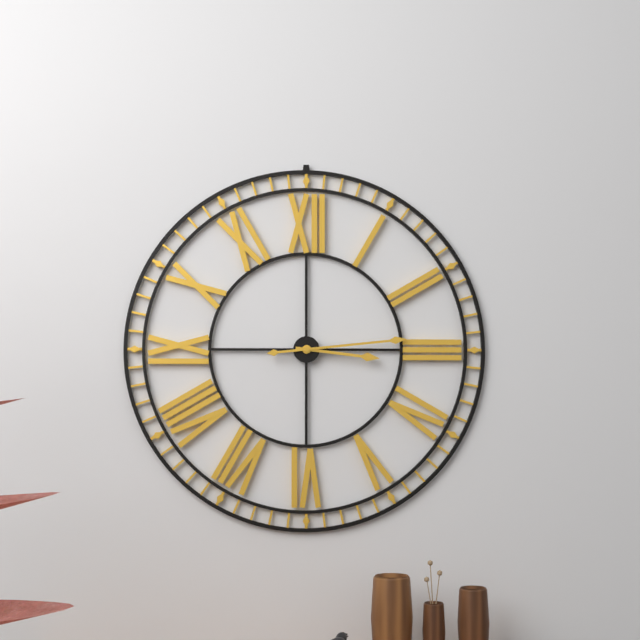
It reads h=3 m=14
